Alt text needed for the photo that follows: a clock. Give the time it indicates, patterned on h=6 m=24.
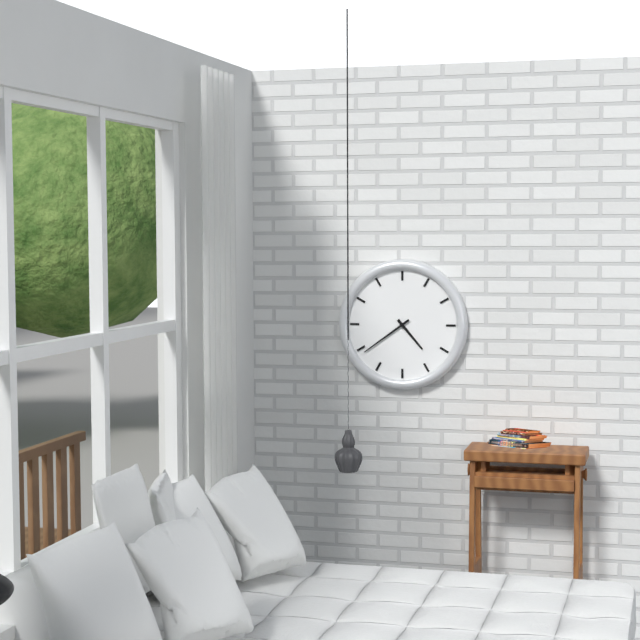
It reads h=4 m=39
